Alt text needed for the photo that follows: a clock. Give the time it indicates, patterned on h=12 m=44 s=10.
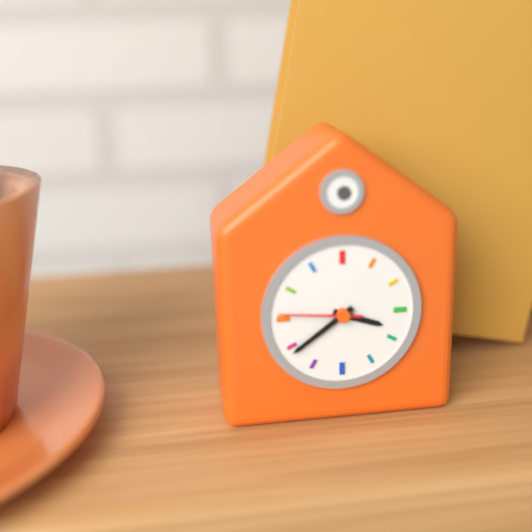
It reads h=3 m=39 s=46
